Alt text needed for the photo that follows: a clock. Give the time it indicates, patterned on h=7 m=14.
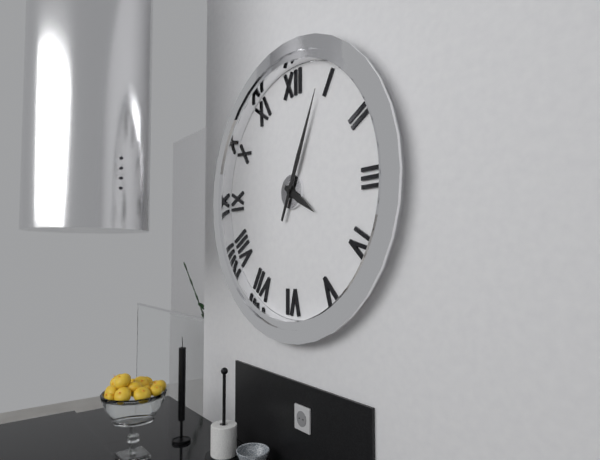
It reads h=4 m=4
